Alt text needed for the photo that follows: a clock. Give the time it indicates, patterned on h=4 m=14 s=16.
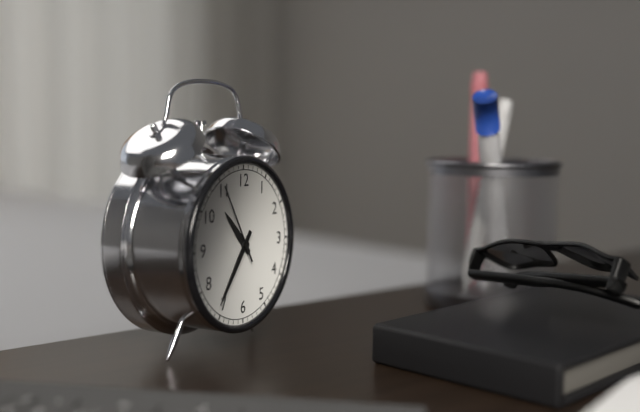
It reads h=10 m=36 s=55
